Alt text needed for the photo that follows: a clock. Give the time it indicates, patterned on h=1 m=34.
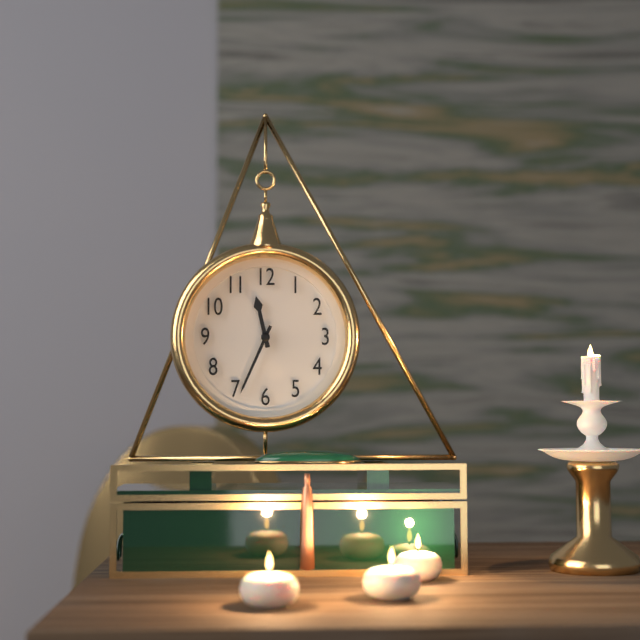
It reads h=11 m=34
